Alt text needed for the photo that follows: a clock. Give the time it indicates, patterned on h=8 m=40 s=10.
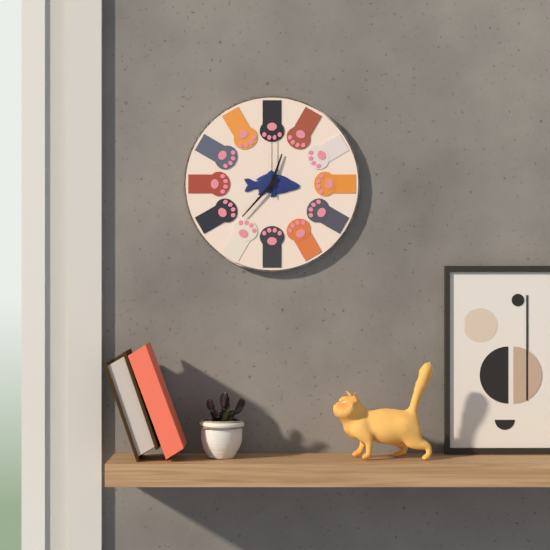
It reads h=12 m=37 s=0
